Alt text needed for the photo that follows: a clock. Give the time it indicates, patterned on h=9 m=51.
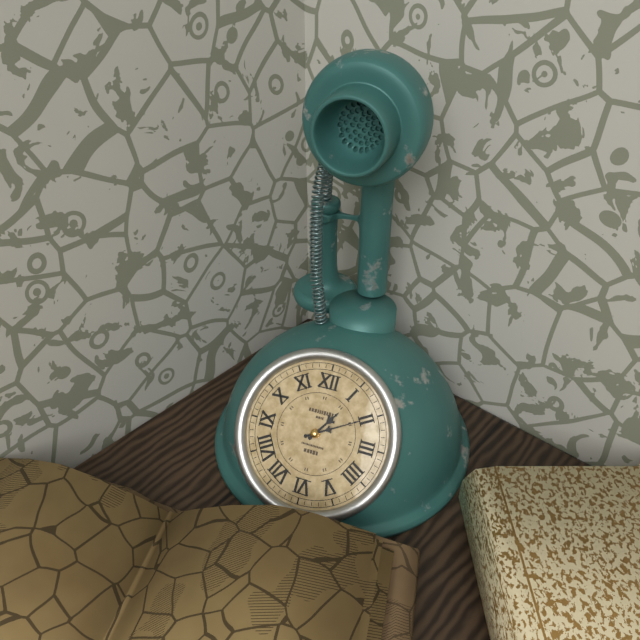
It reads h=1 m=10
